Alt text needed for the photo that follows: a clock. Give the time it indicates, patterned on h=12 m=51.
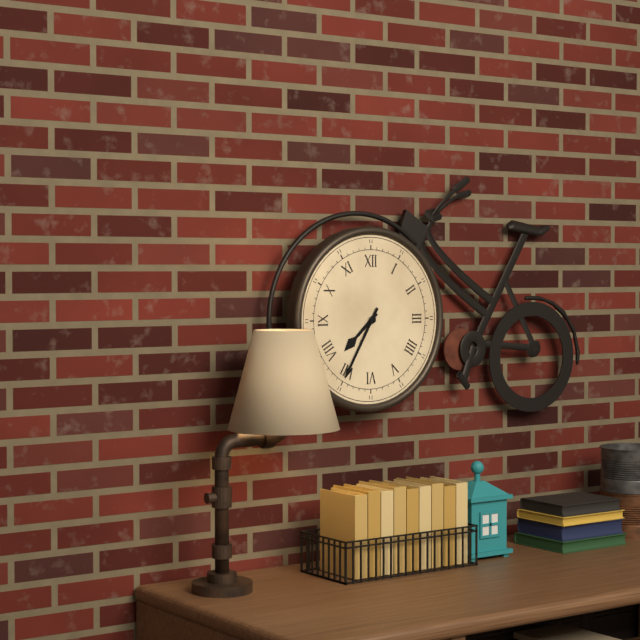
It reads h=7 m=35
